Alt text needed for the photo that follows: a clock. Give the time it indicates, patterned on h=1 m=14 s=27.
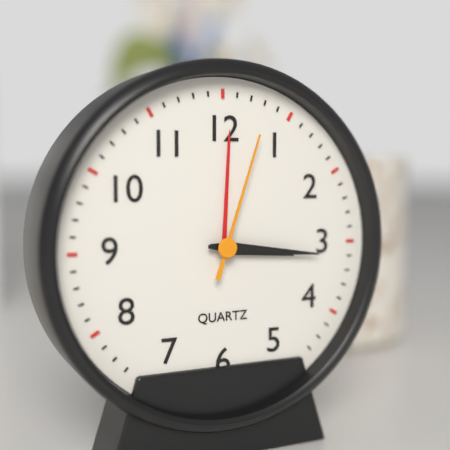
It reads h=3 m=16 s=3
